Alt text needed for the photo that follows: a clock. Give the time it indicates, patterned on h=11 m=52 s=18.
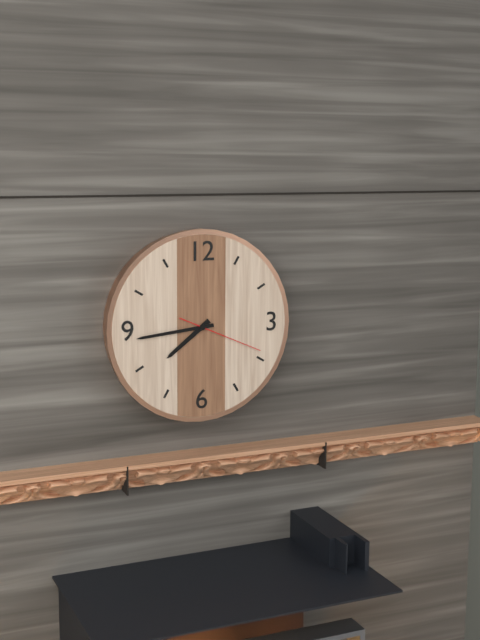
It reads h=7 m=44 s=19
